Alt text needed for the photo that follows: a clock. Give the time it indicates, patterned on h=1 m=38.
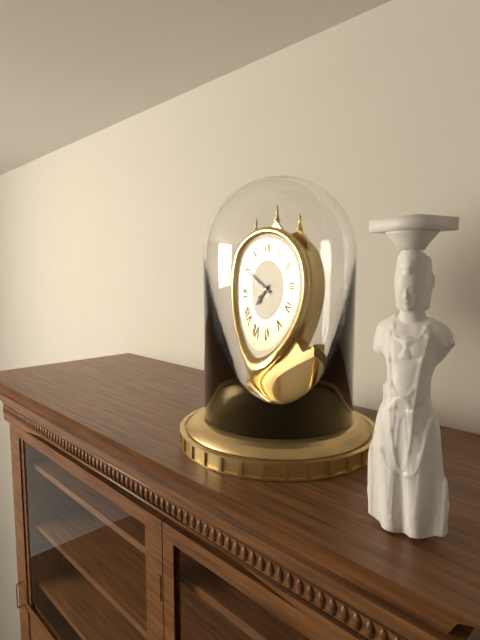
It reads h=7 m=50
